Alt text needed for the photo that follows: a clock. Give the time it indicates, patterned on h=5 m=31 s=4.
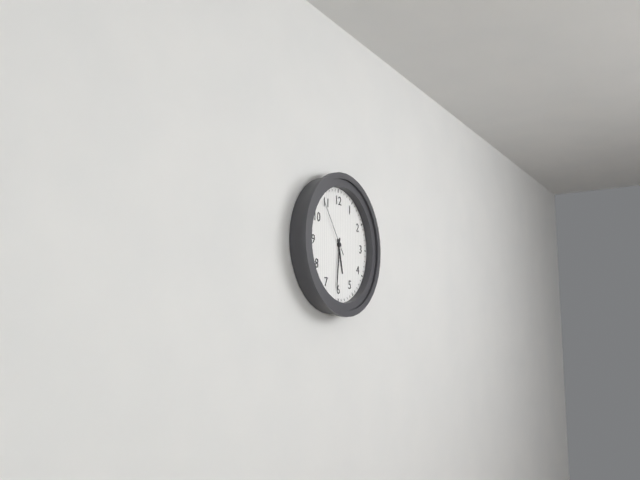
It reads h=5 m=31 s=54
